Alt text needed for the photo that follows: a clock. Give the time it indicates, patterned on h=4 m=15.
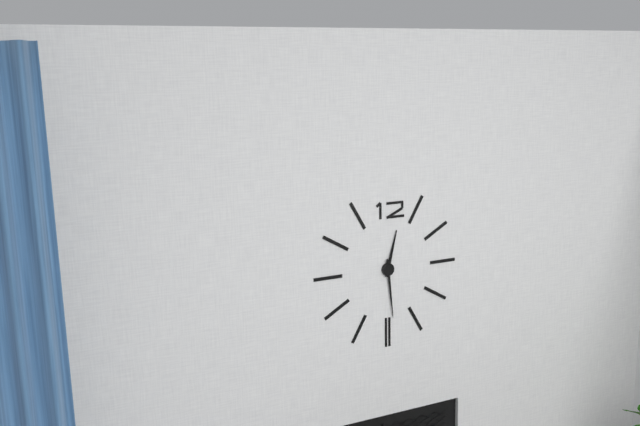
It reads h=12 m=29
